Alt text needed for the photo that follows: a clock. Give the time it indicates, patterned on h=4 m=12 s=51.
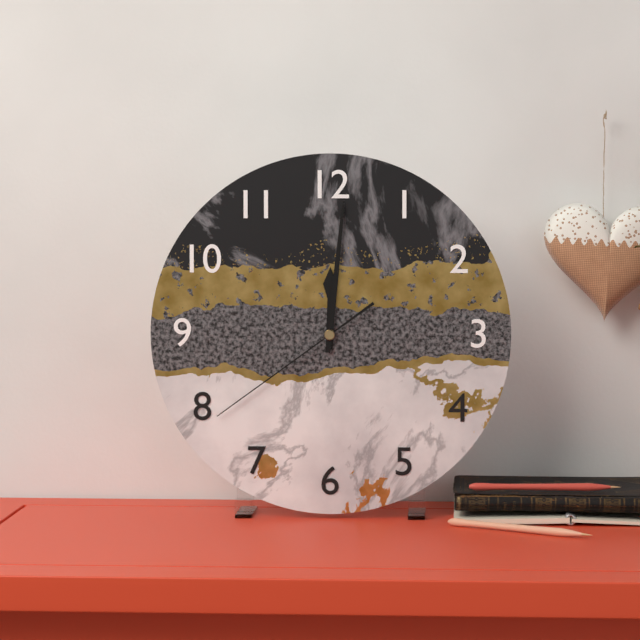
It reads h=12 m=1 s=39
